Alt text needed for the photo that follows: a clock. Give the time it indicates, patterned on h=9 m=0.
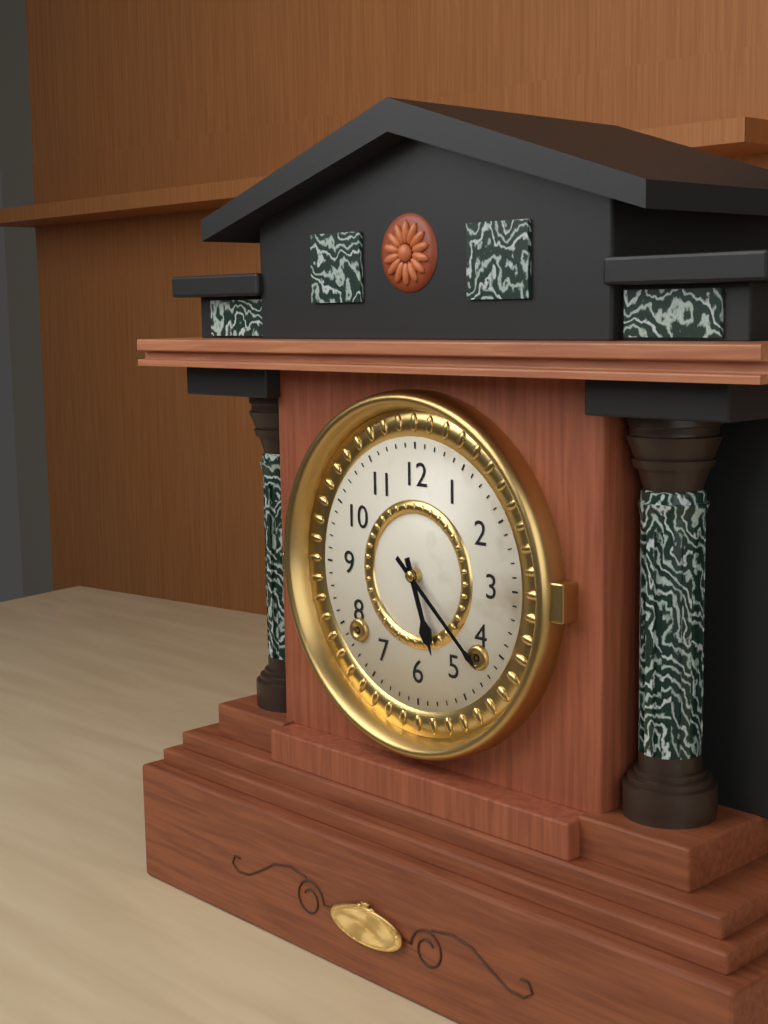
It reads h=5 m=22
